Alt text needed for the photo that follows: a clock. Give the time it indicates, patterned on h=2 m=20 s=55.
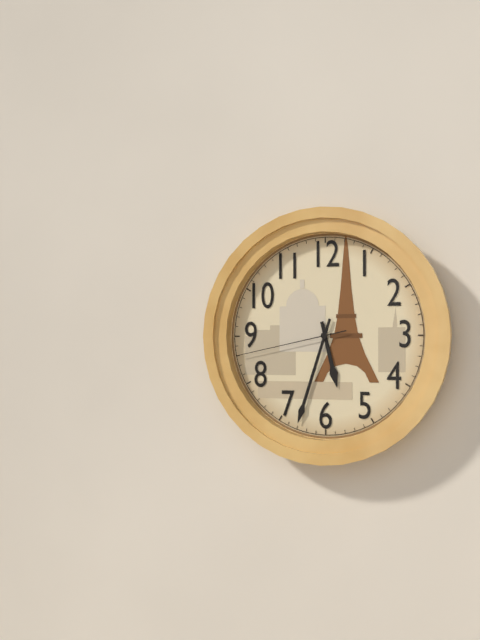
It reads h=5 m=33 s=43
